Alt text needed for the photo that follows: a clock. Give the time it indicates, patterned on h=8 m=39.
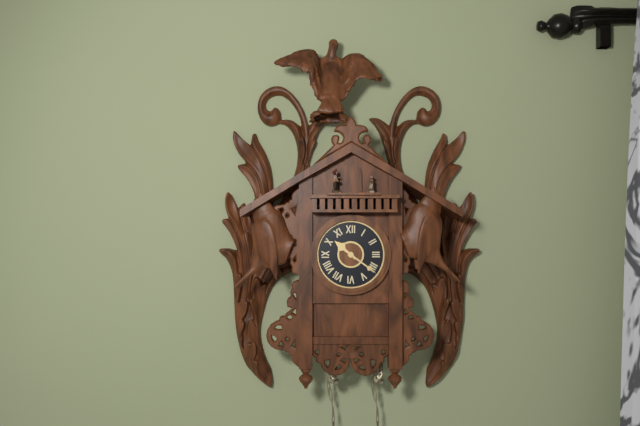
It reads h=10 m=21
